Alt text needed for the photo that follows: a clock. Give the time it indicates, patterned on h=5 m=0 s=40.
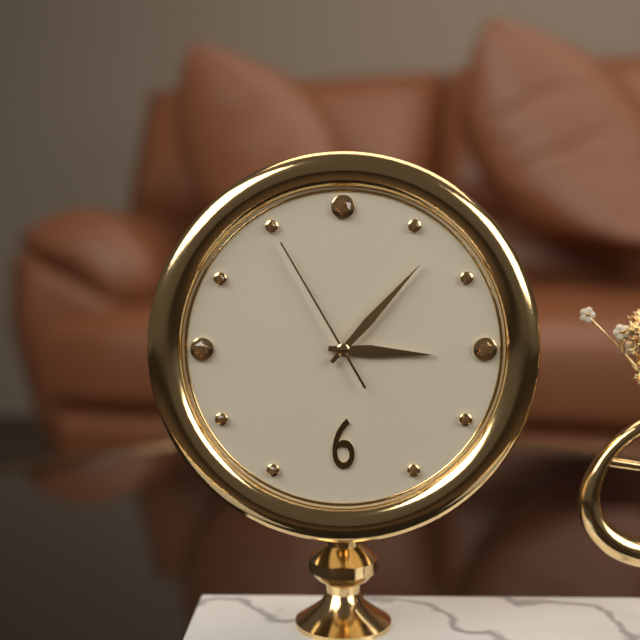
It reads h=3 m=7 s=55
